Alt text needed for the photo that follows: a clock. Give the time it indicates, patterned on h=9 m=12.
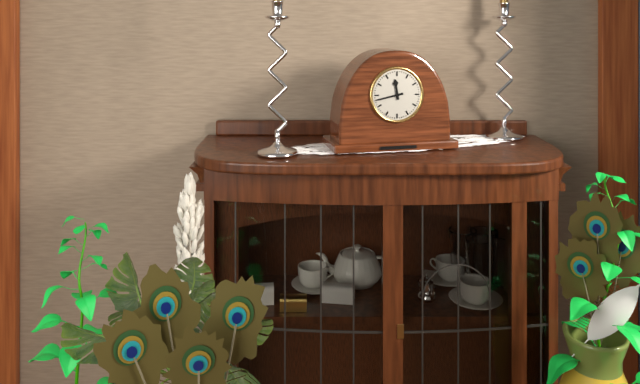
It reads h=11 m=43
